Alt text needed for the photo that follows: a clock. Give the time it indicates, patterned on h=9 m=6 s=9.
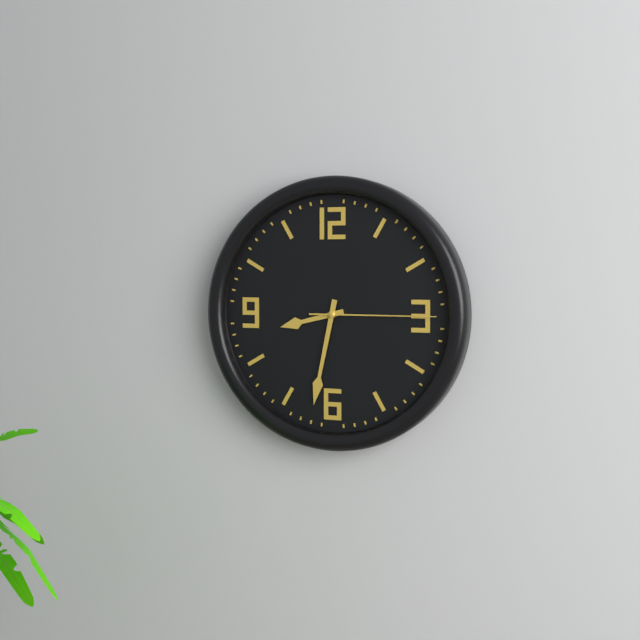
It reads h=8 m=32 s=15
